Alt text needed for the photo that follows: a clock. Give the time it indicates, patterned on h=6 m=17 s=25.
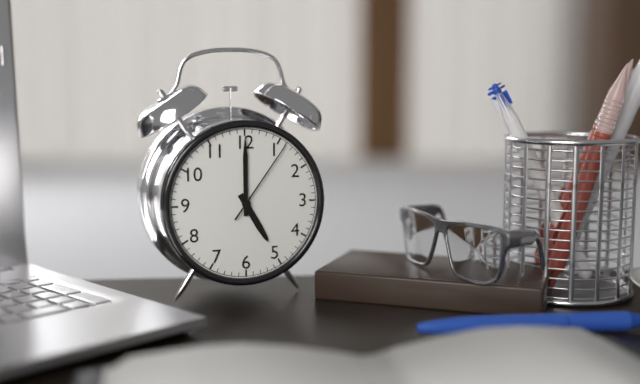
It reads h=5 m=0 s=6
